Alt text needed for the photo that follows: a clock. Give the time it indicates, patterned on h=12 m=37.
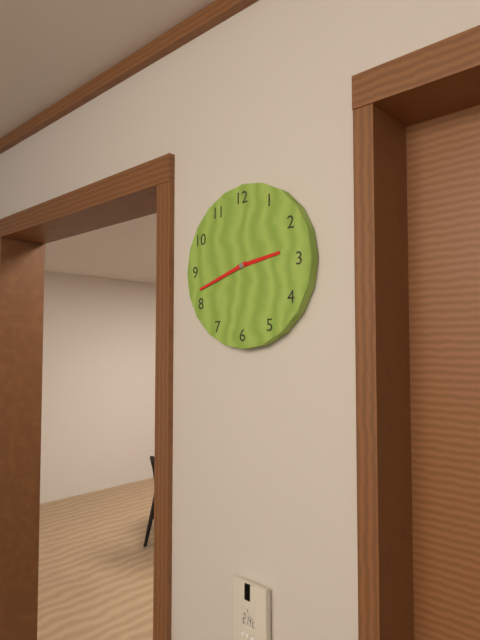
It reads h=2 m=42
